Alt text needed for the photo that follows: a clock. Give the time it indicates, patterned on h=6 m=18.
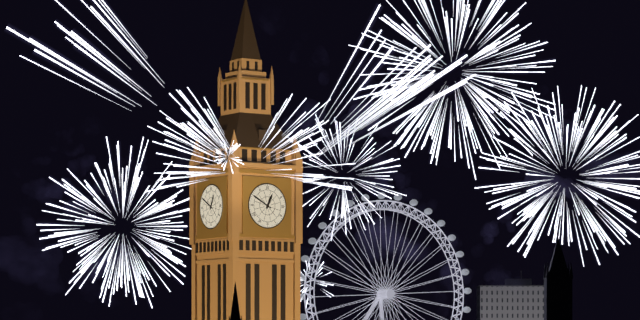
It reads h=12 m=50
